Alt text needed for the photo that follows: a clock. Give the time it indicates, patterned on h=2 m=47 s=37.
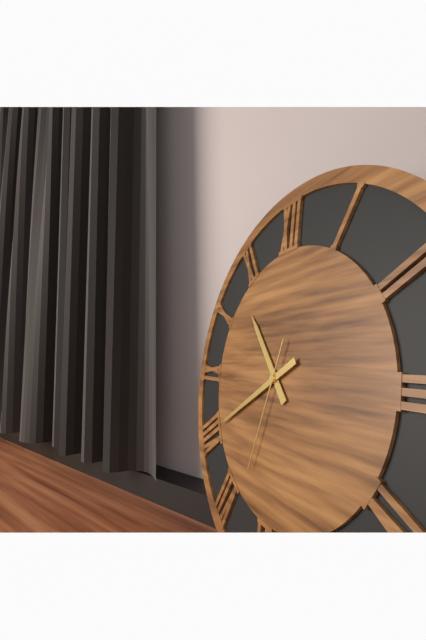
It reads h=10 m=40 s=33
